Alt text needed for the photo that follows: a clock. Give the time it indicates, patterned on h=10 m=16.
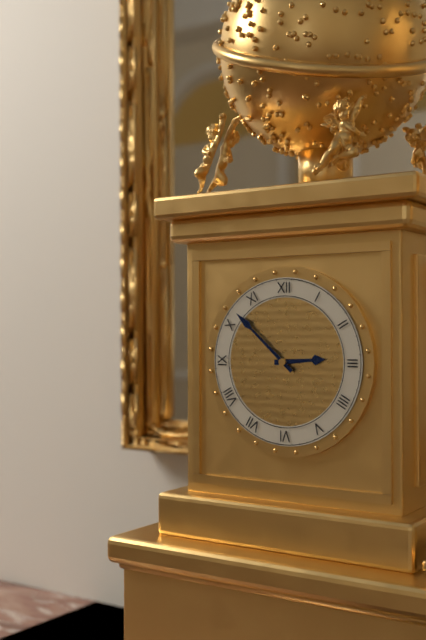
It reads h=2 m=52
